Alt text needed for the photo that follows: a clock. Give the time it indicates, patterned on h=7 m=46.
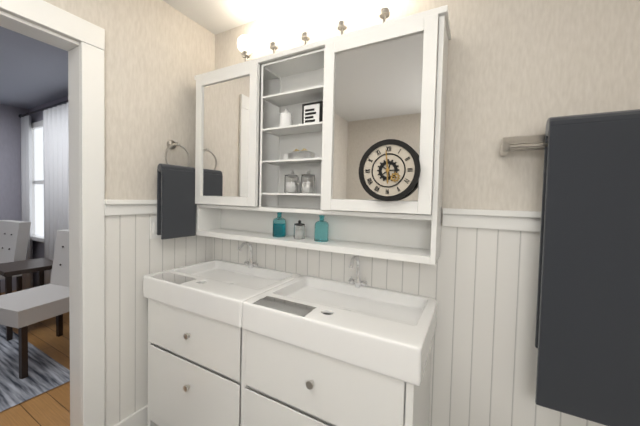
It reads h=5 m=59
